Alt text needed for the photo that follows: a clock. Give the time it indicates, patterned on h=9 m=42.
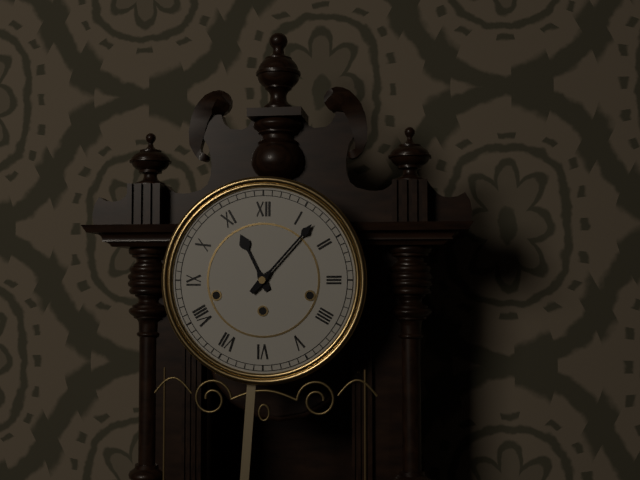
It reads h=11 m=7
